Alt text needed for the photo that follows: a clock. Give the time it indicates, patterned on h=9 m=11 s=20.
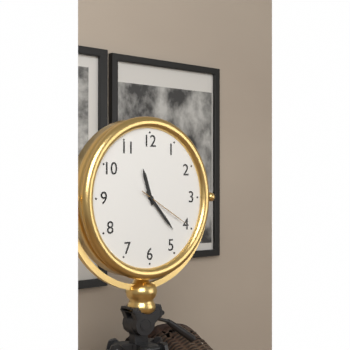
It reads h=11 m=23 s=20
